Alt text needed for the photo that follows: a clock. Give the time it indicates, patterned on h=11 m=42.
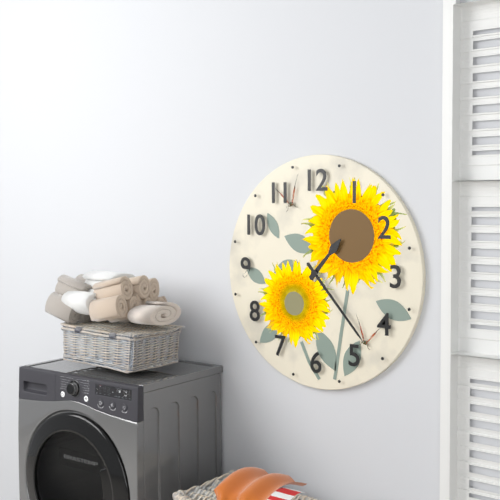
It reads h=1 m=23
